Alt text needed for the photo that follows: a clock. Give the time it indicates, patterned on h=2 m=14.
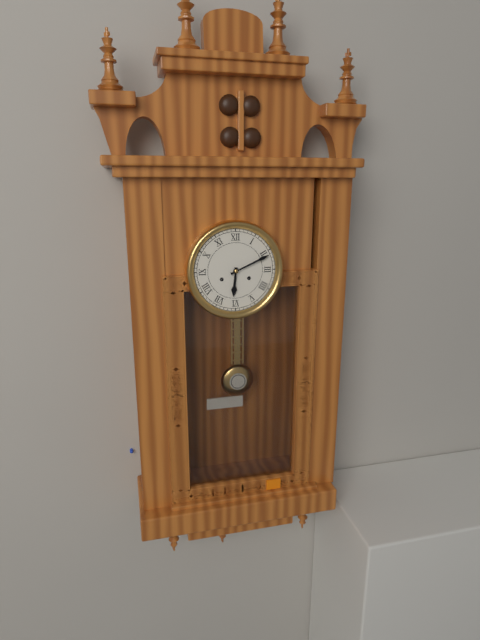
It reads h=6 m=11
